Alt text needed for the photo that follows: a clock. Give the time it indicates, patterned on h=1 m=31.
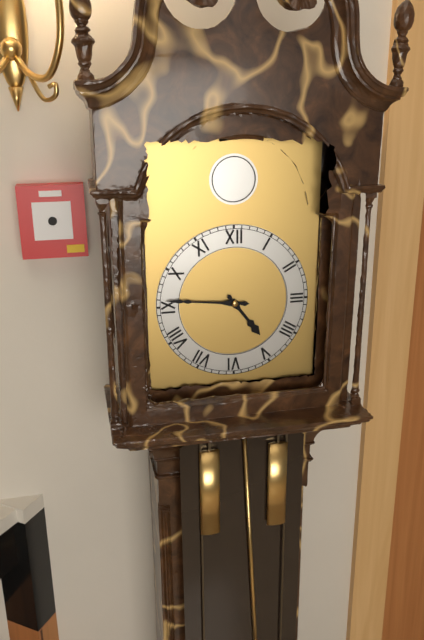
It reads h=4 m=46
